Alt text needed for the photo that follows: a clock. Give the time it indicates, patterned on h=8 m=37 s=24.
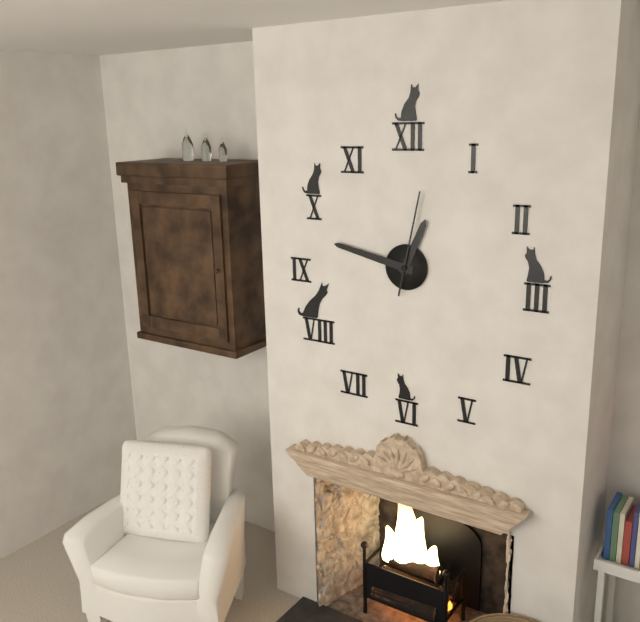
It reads h=12 m=47 s=2
